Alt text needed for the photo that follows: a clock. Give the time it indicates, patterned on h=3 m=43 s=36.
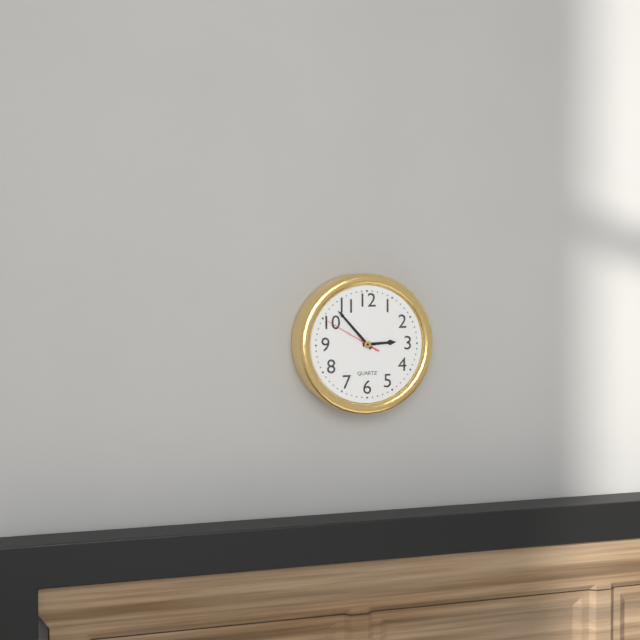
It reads h=2 m=53 s=50
